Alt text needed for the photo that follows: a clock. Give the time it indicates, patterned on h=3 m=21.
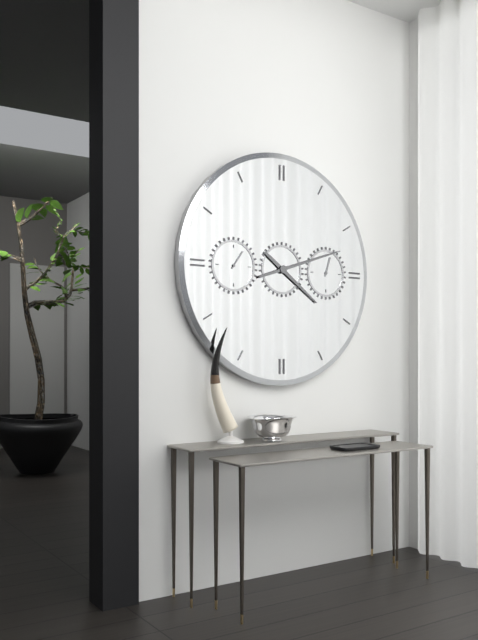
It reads h=4 m=12
